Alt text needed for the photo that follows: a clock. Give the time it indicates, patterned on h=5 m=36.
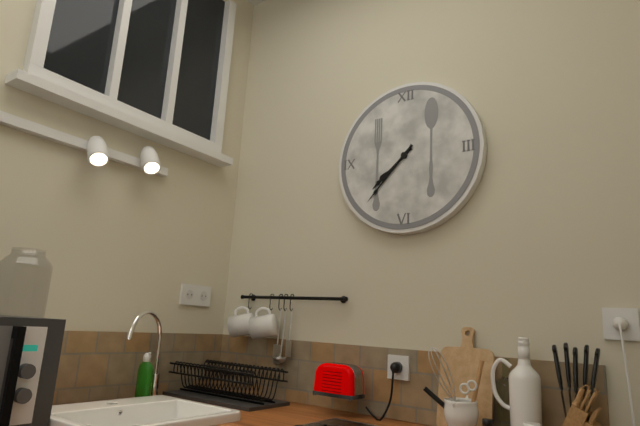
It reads h=7 m=37
